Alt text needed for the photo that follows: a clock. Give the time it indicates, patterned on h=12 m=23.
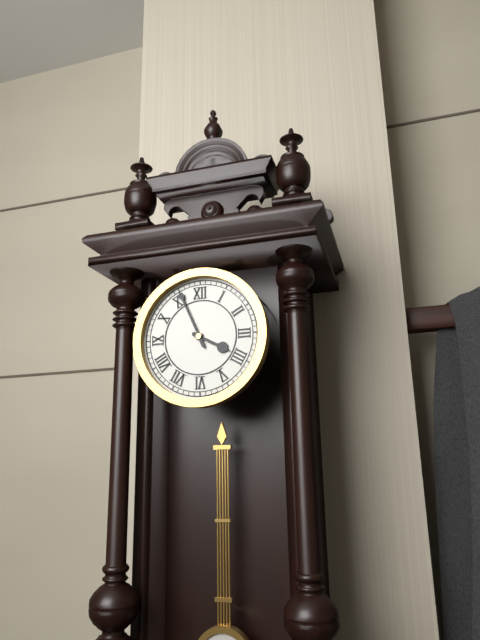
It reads h=3 m=56
